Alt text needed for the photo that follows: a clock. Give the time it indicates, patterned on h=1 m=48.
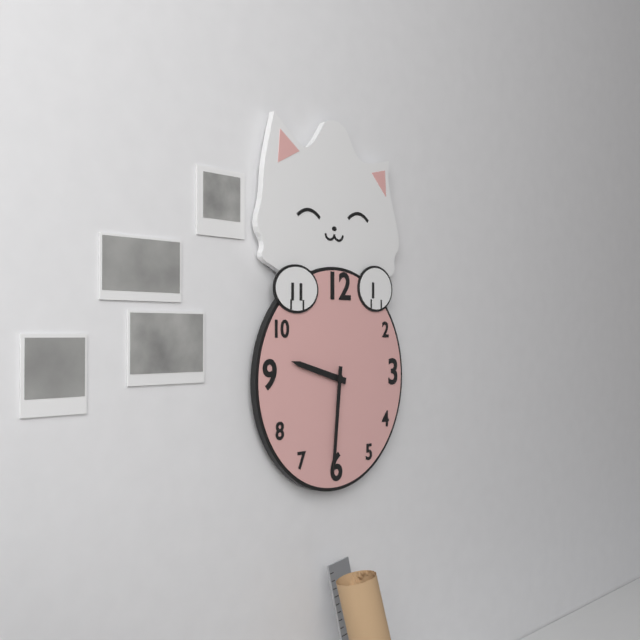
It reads h=9 m=31
